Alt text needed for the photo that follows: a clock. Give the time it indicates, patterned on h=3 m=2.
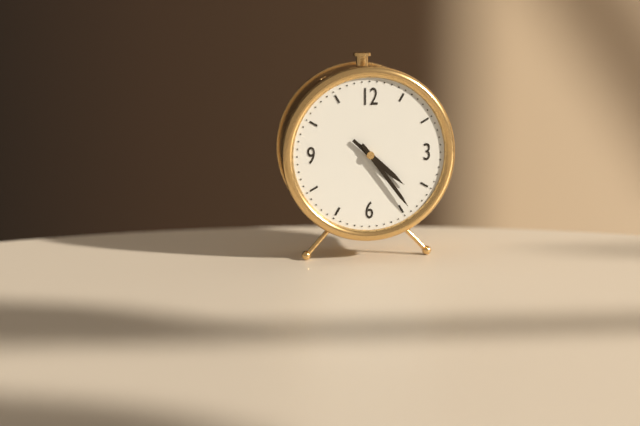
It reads h=4 m=24
